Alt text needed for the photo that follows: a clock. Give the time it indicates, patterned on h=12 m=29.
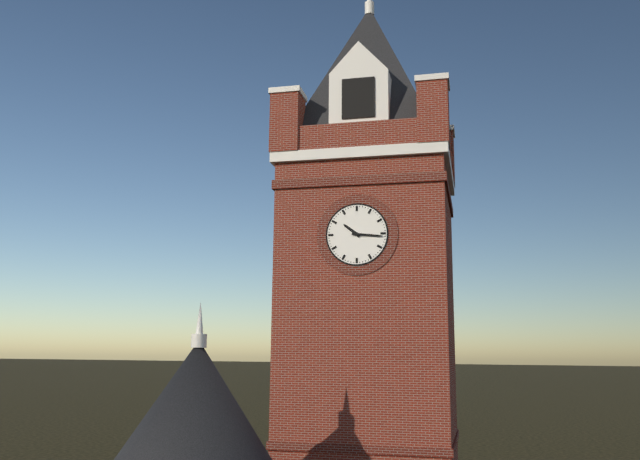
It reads h=10 m=16
